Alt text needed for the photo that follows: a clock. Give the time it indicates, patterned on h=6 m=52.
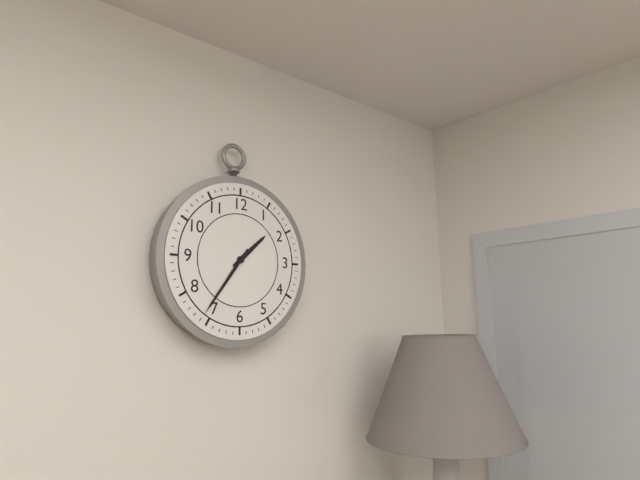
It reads h=1 m=36
